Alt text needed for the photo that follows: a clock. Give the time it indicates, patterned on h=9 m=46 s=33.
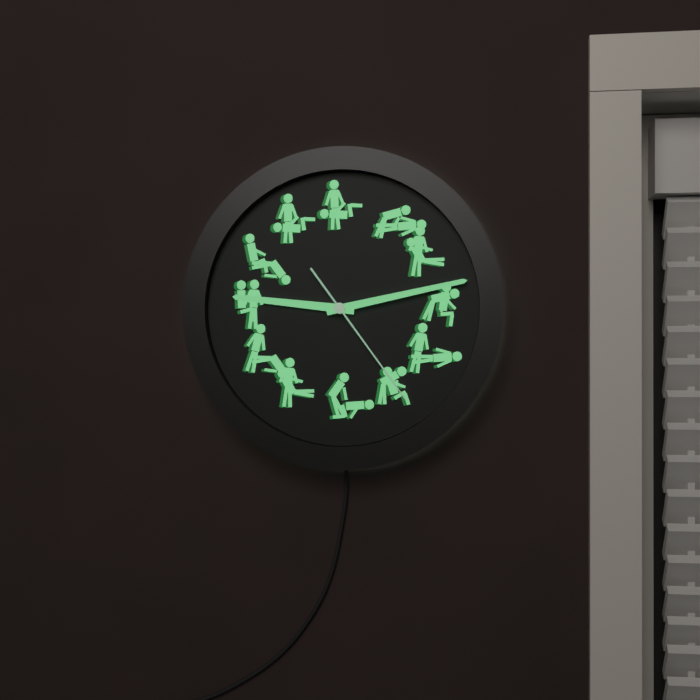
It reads h=9 m=13 s=24
